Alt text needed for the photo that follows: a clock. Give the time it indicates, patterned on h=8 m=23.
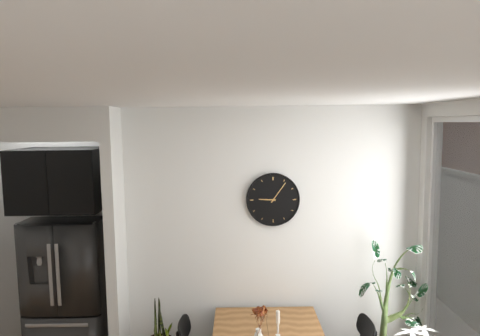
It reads h=9 m=6
